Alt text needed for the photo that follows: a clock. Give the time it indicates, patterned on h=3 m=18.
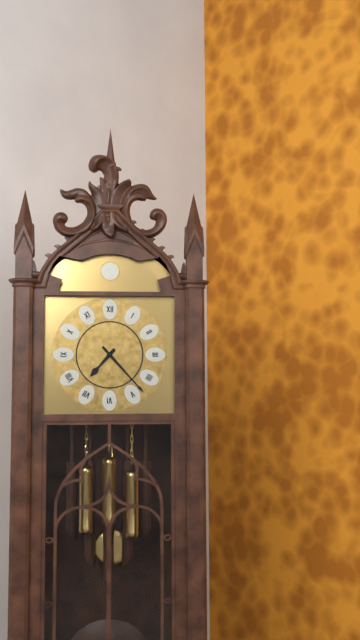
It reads h=7 m=23
